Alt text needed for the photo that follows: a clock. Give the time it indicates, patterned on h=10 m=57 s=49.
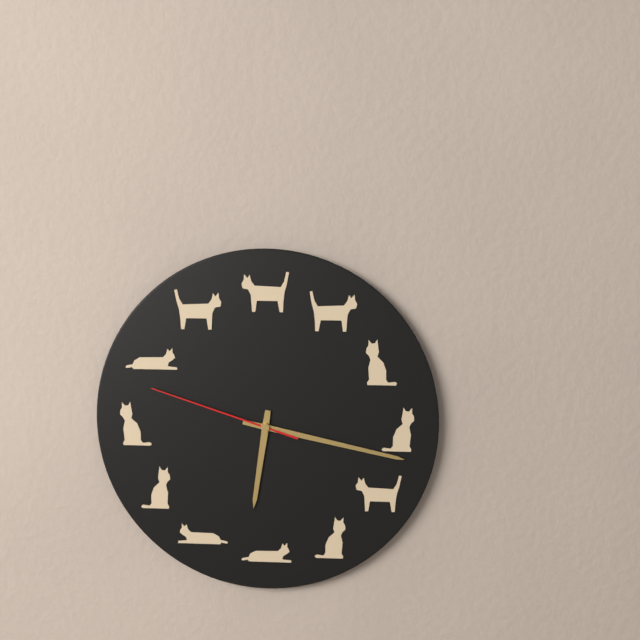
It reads h=6 m=17 s=48
